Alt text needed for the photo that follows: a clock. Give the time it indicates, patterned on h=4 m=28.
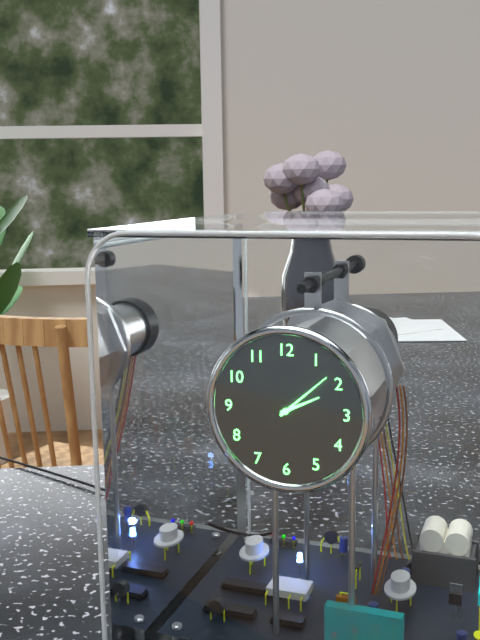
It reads h=2 m=8
